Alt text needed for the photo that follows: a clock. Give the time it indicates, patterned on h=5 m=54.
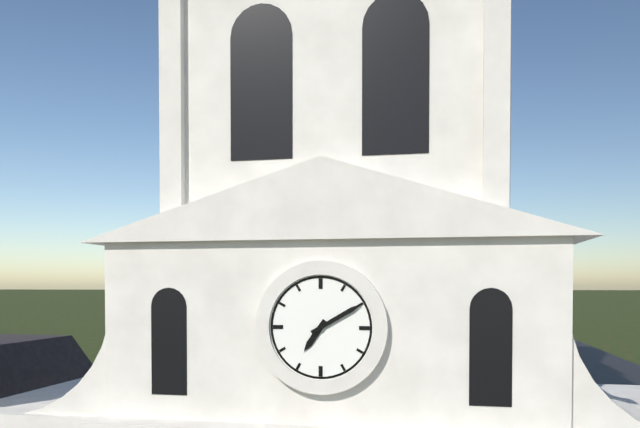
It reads h=7 m=10
